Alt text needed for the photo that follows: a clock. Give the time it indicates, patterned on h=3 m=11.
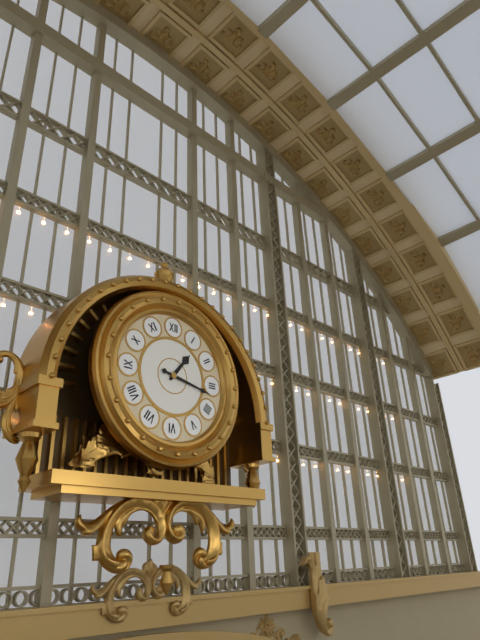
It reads h=1 m=17
